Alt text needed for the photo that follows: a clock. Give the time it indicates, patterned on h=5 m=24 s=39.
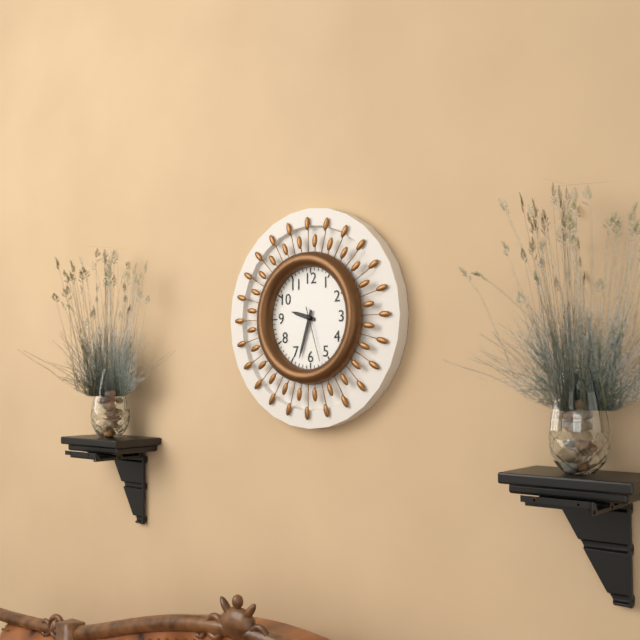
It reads h=9 m=33 s=27
